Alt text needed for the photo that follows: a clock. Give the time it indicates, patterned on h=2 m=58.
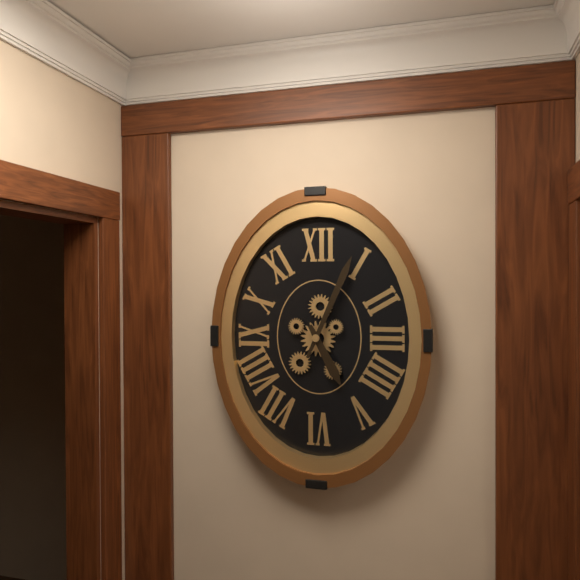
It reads h=5 m=4
